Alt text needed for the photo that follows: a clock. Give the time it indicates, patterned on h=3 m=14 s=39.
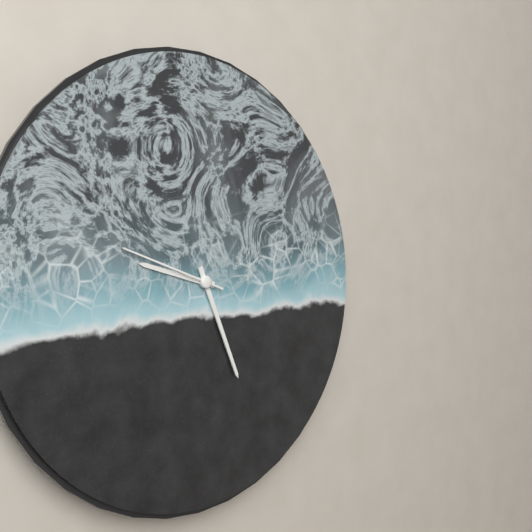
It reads h=9 m=26 s=48
